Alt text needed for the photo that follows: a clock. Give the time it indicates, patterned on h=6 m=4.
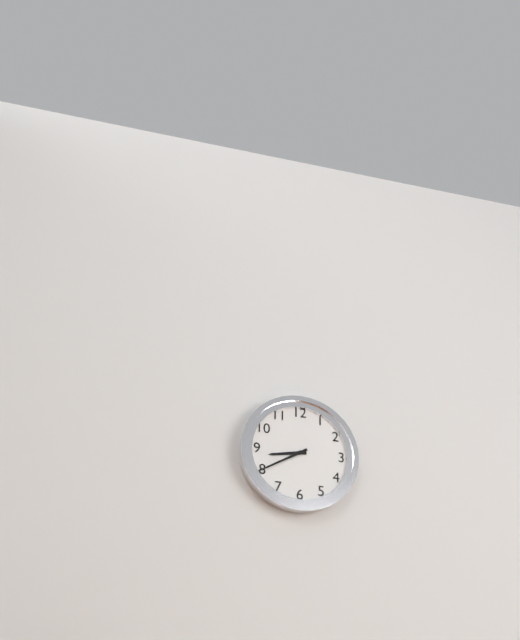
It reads h=8 m=40
